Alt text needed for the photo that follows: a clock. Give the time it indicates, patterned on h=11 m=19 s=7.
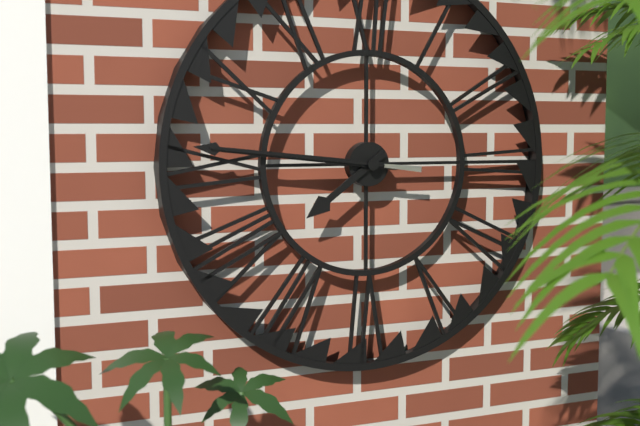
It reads h=7 m=46 s=46
